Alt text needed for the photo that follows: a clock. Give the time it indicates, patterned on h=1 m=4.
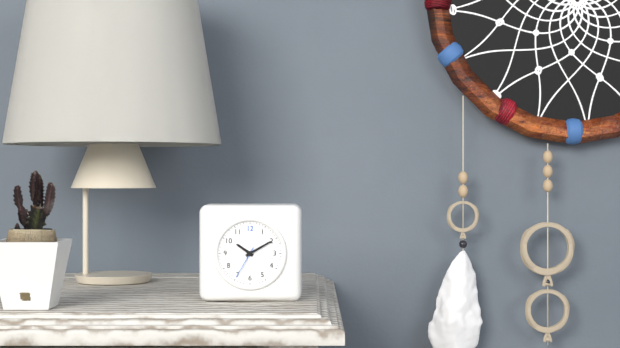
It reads h=10 m=10
